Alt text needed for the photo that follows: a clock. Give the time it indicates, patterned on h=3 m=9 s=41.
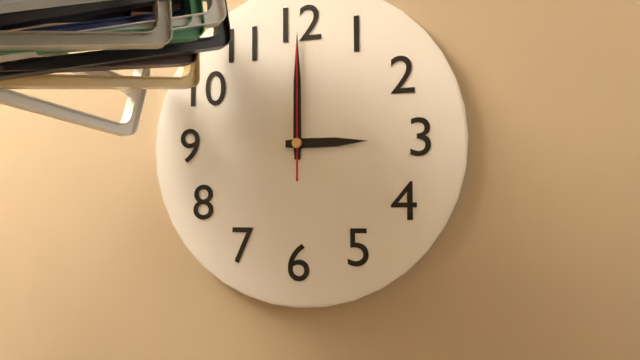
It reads h=3 m=0 s=0
